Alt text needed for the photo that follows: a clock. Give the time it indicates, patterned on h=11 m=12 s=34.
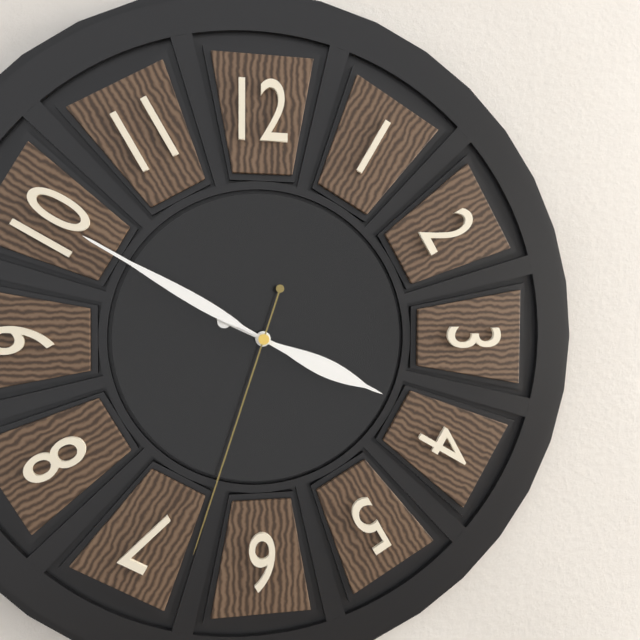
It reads h=3 m=50 s=33
